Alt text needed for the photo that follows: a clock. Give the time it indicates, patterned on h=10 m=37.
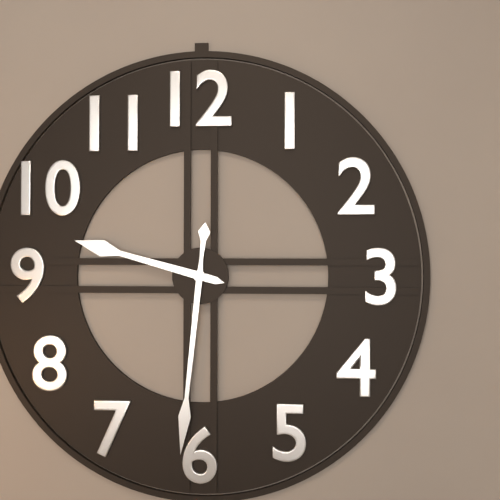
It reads h=9 m=31
